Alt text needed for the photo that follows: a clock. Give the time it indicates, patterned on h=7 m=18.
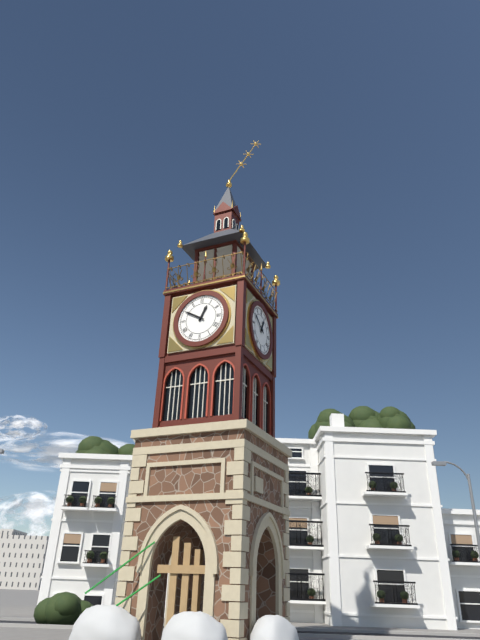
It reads h=12 m=50
